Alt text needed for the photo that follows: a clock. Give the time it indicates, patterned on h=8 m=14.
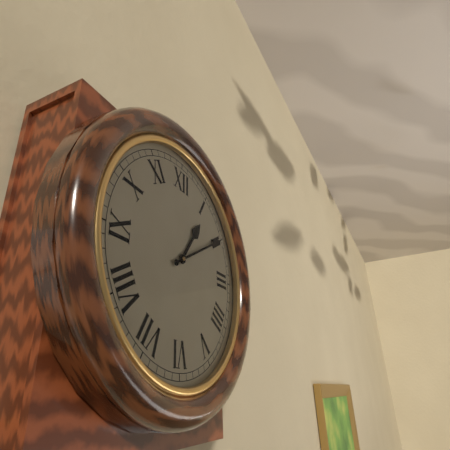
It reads h=1 m=10
